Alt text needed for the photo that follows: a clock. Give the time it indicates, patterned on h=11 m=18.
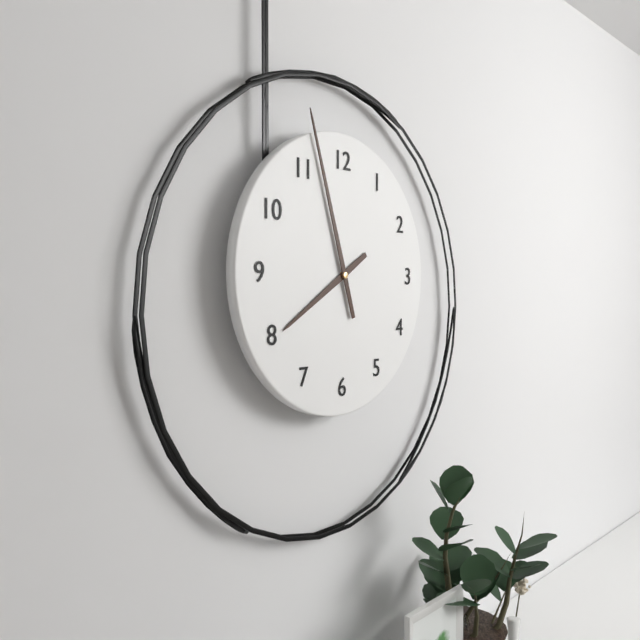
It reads h=7 m=57
